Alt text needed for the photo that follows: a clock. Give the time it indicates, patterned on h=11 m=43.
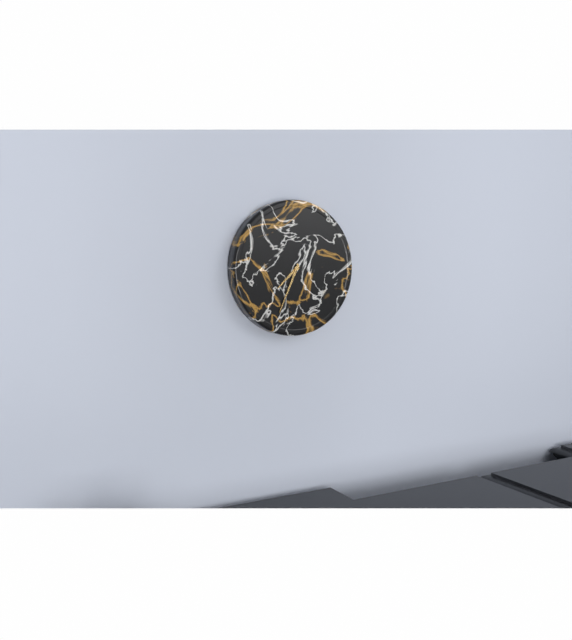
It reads h=7 m=34
